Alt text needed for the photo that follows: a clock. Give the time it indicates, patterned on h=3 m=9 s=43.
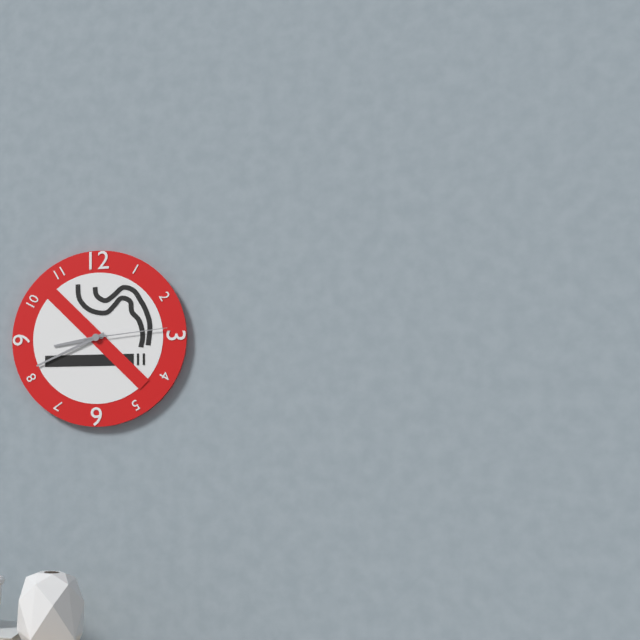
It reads h=8 m=41 s=14
